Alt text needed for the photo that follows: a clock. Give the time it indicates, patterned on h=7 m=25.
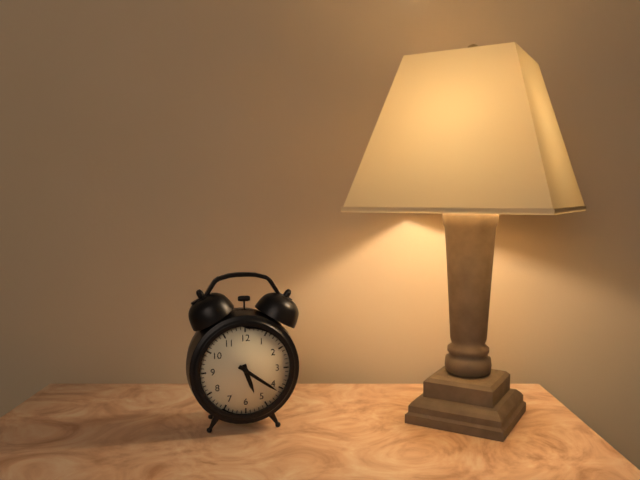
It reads h=5 m=21
